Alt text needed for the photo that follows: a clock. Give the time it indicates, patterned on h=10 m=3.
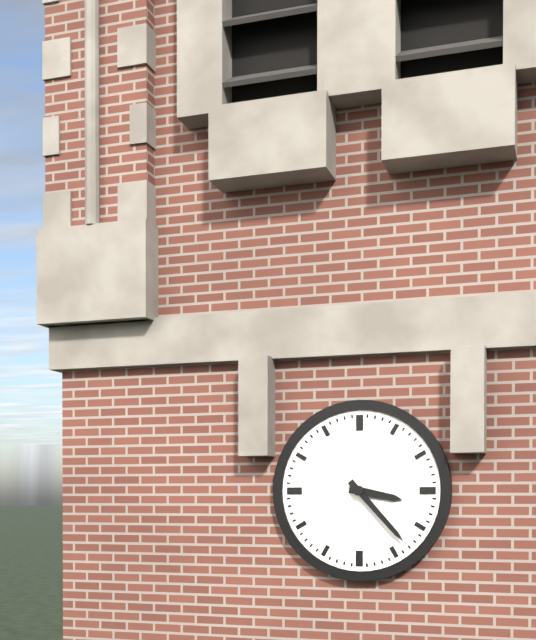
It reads h=3 m=23
